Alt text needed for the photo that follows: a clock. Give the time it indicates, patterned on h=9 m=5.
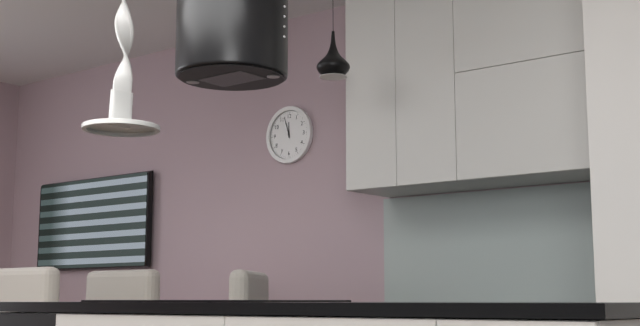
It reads h=11 m=57
